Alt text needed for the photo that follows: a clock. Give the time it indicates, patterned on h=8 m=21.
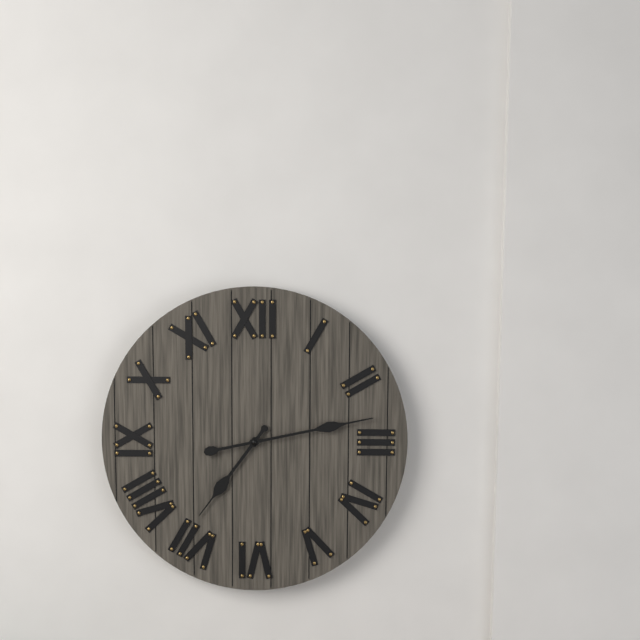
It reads h=7 m=13
